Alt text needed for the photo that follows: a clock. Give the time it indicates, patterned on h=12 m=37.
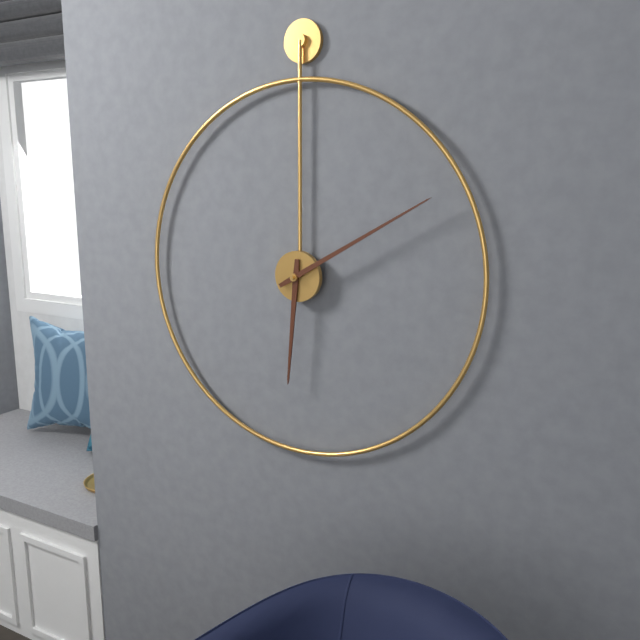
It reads h=6 m=10
